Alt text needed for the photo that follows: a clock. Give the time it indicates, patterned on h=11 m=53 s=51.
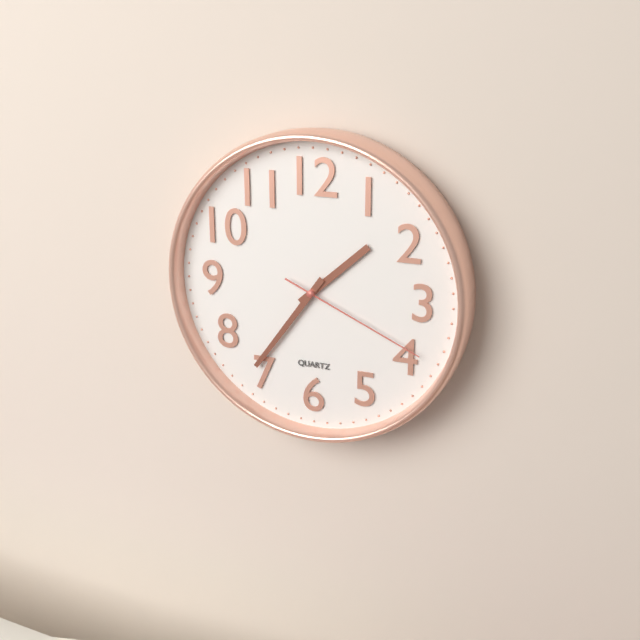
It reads h=1 m=36 s=19
